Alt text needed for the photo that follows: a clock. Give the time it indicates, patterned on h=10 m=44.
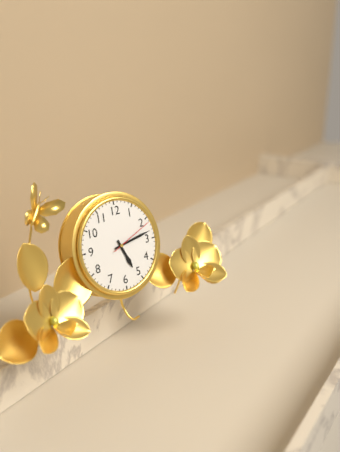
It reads h=5 m=13
